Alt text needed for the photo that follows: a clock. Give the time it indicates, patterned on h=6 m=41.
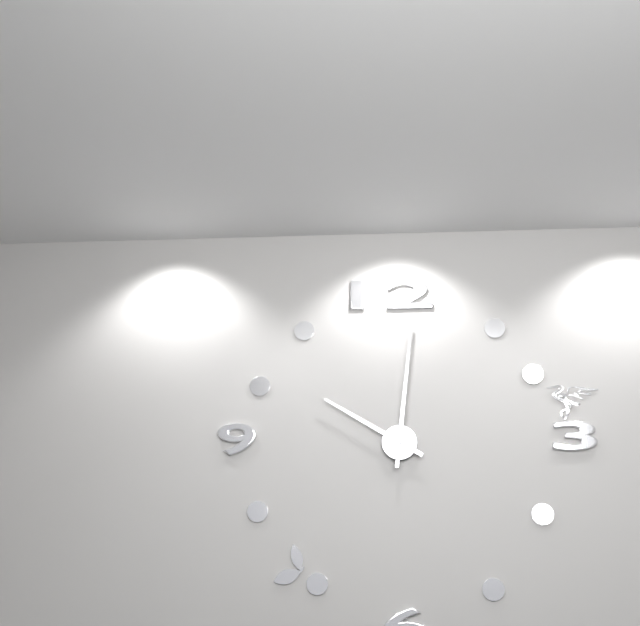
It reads h=10 m=1
